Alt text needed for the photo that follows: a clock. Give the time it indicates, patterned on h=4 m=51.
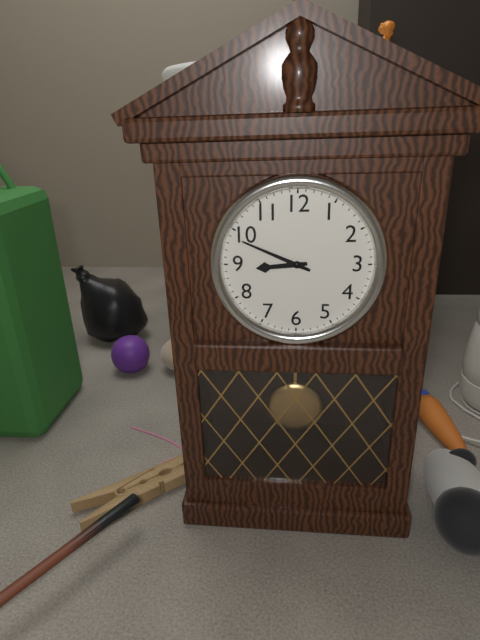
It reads h=8 m=49
